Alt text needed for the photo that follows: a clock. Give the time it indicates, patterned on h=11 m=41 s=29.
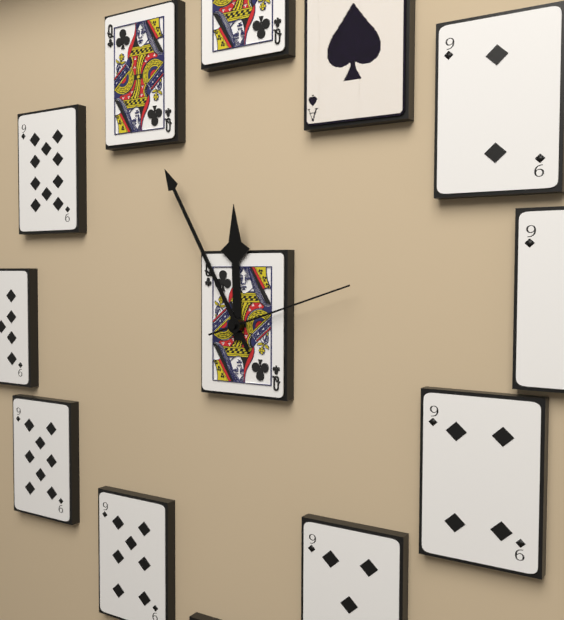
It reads h=11 m=55 s=12
